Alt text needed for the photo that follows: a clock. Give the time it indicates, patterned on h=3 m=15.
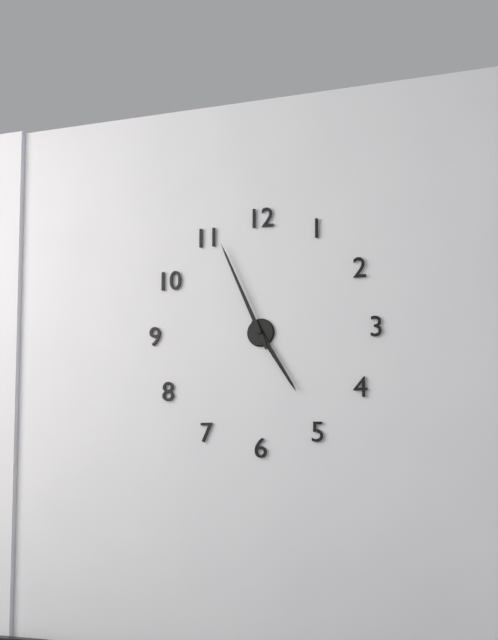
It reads h=4 m=56
